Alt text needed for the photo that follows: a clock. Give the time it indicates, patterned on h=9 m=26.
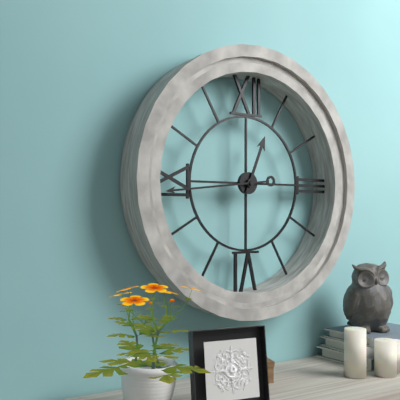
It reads h=12 m=44
